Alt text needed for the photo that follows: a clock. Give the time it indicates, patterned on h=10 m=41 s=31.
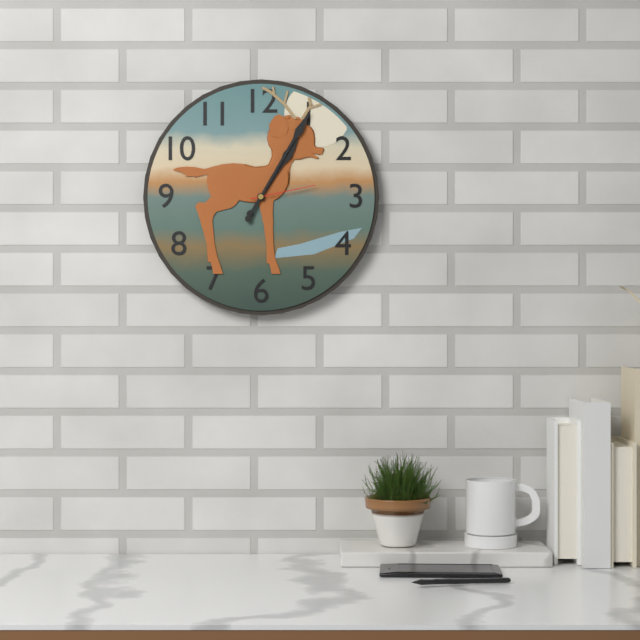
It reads h=1 m=5 s=13
